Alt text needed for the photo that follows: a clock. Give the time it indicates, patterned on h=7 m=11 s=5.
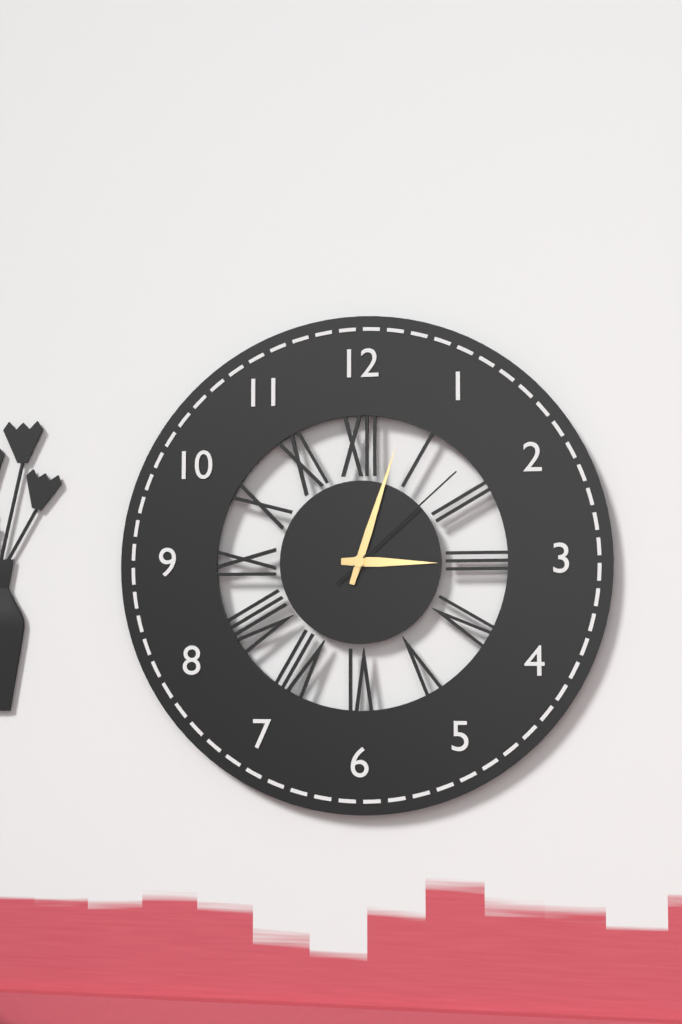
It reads h=3 m=3 s=8
